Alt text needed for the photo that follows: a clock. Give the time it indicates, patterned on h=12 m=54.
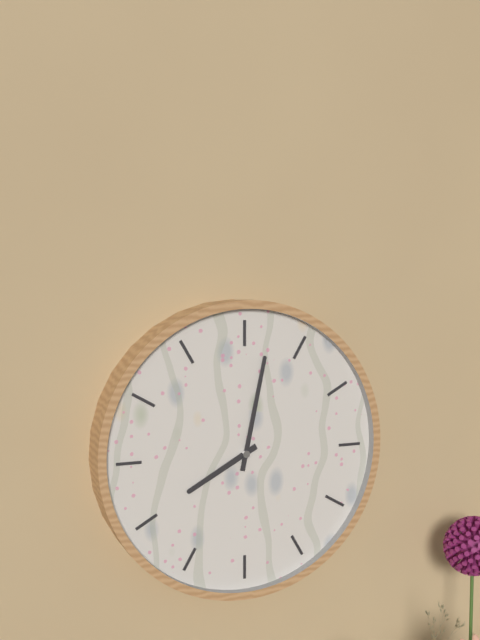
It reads h=8 m=2
